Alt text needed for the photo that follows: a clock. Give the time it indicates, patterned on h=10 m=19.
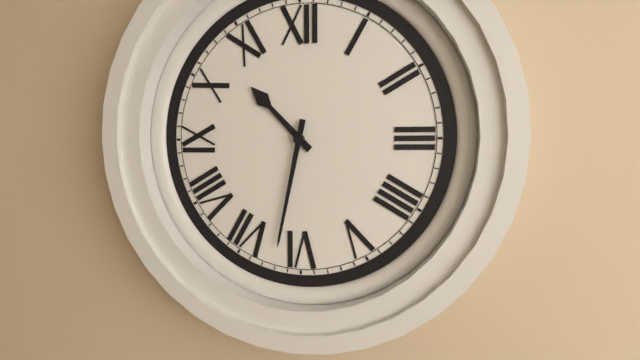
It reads h=10 m=32
